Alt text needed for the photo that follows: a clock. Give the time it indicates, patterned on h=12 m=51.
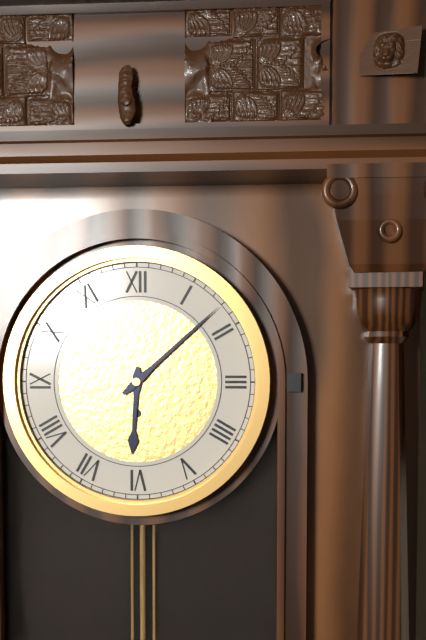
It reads h=6 m=8
